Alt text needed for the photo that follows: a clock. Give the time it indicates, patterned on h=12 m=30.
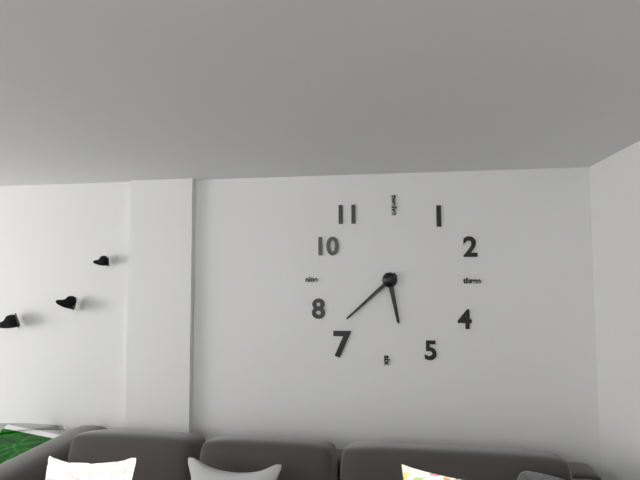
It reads h=5 m=38
